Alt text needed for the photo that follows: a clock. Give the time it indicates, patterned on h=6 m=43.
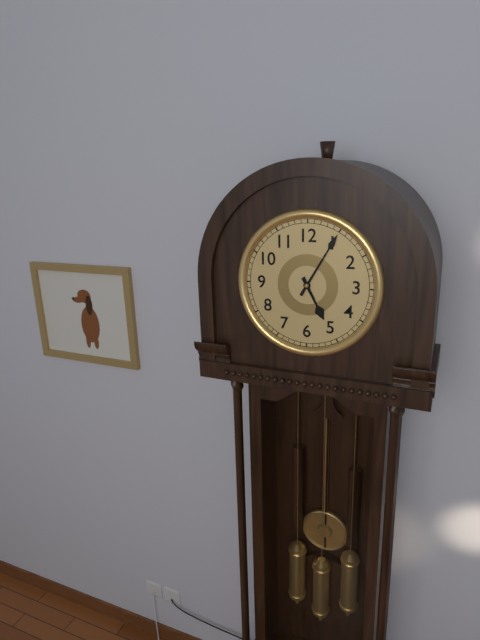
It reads h=5 m=5
